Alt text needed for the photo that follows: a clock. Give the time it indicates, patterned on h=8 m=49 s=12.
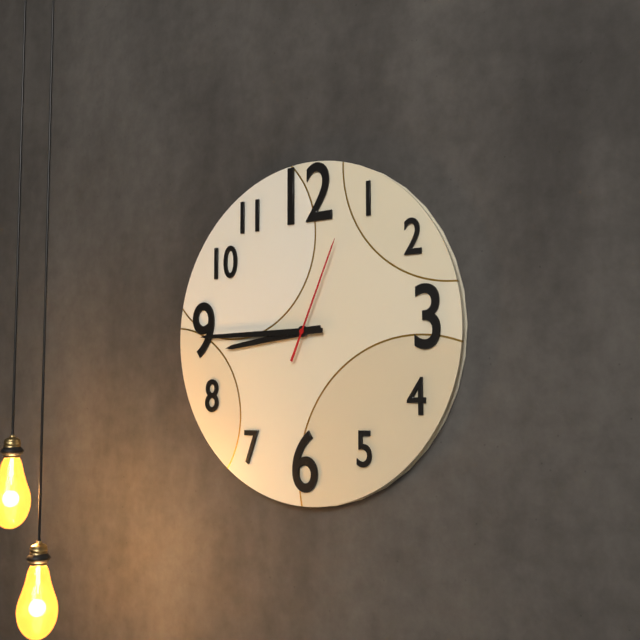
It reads h=8 m=45 s=4
